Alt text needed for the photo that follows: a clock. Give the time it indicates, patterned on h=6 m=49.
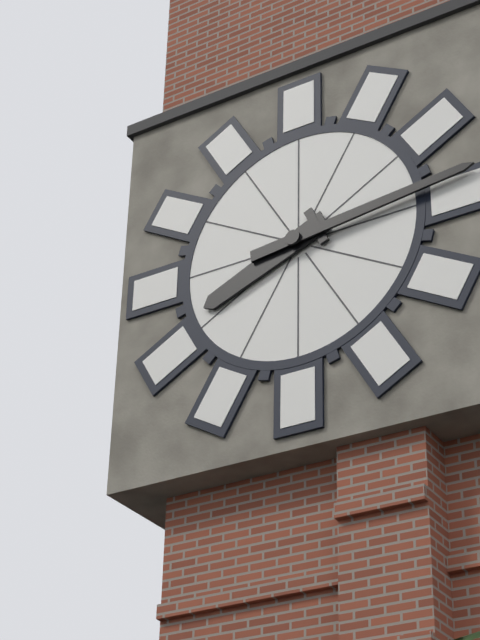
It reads h=8 m=14
